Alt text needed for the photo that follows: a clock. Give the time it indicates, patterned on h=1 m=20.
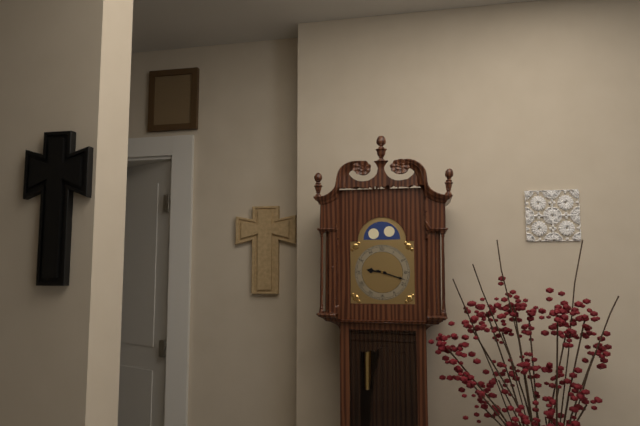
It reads h=9 m=18
